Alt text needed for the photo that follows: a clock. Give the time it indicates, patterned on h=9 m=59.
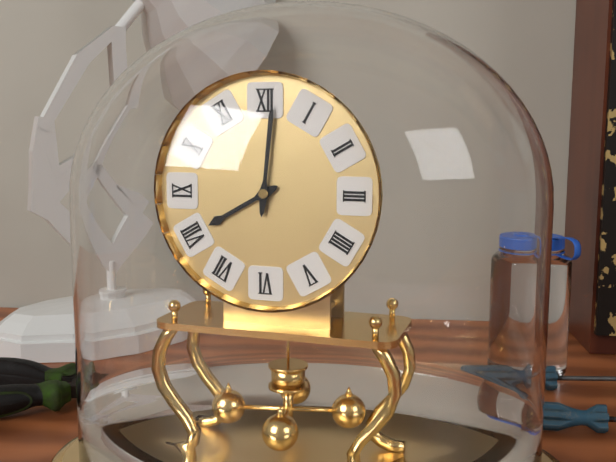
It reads h=8 m=1
